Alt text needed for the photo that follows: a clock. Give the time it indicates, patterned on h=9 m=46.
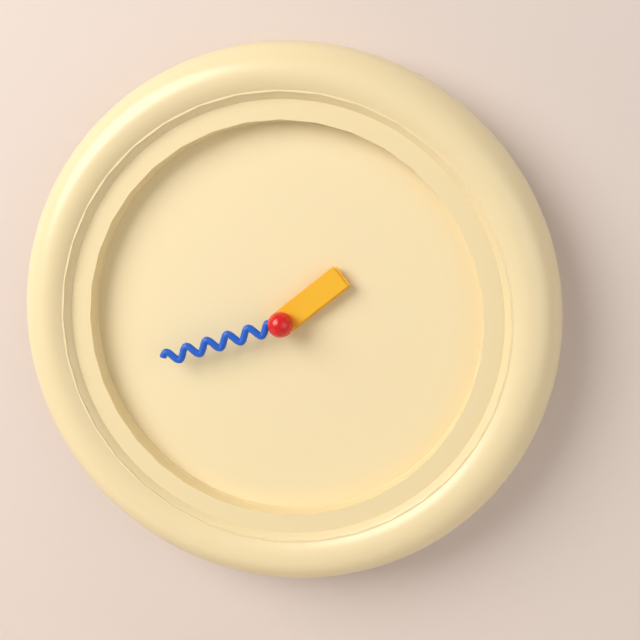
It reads h=1 m=42
